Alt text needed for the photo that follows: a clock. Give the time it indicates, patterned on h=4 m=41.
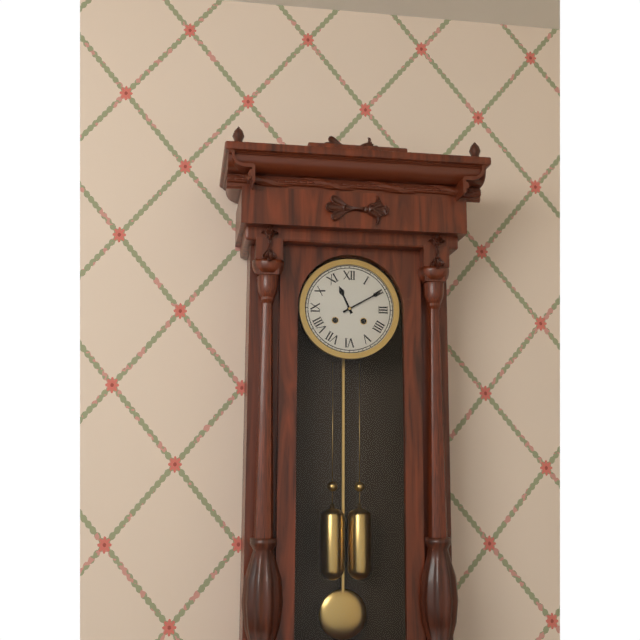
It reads h=11 m=10
